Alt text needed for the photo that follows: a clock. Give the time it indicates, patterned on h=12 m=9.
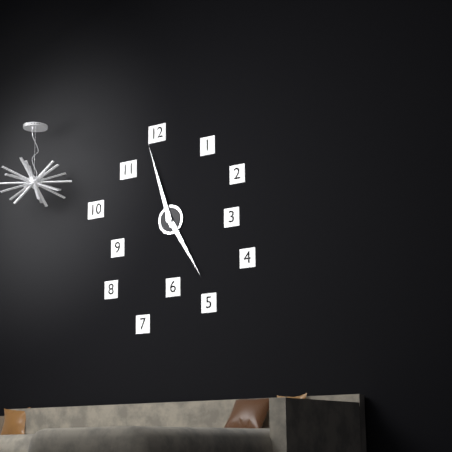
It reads h=4 m=57
